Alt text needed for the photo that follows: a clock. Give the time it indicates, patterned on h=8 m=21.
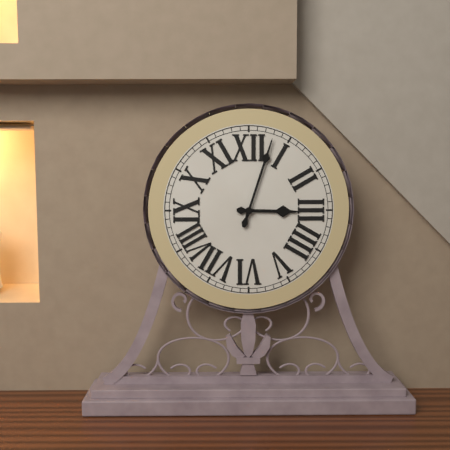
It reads h=3 m=3
